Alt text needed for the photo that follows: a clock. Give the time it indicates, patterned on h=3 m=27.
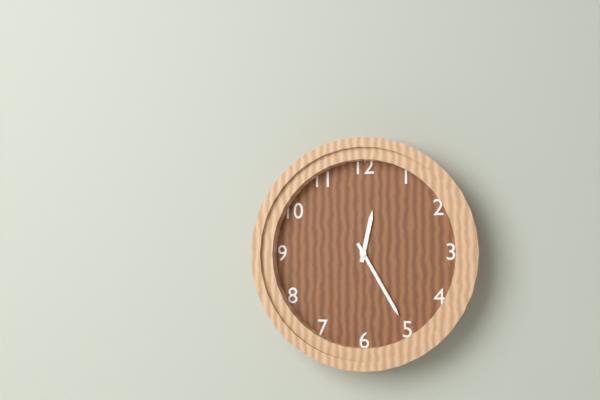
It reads h=12 m=25
